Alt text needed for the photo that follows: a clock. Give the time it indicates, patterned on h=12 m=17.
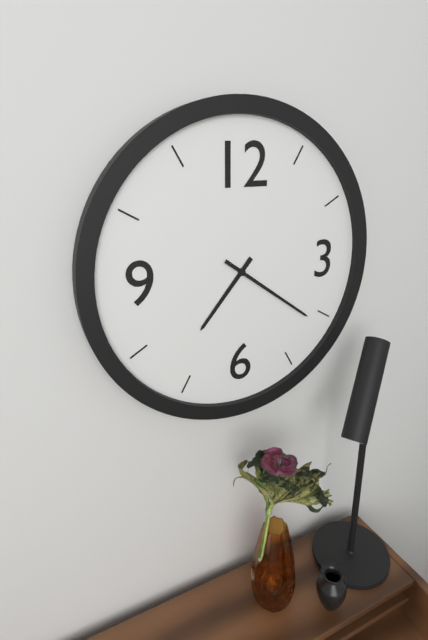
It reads h=7 m=21
